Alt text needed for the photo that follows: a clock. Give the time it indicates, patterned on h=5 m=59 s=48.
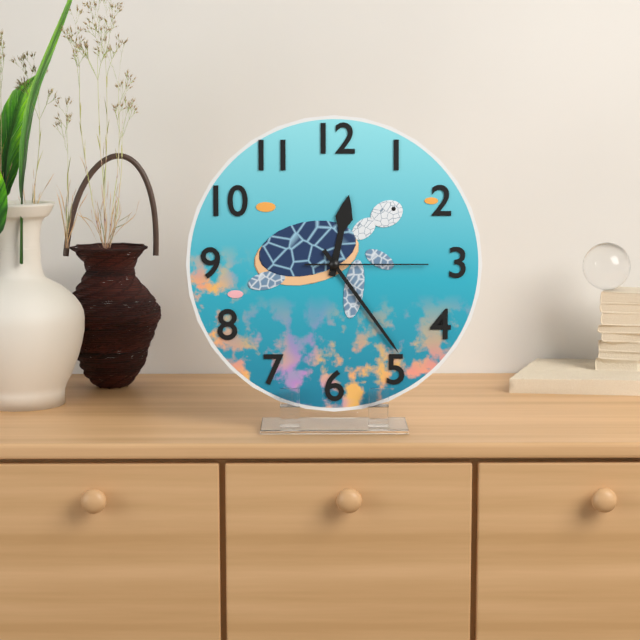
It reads h=12 m=24 s=15
